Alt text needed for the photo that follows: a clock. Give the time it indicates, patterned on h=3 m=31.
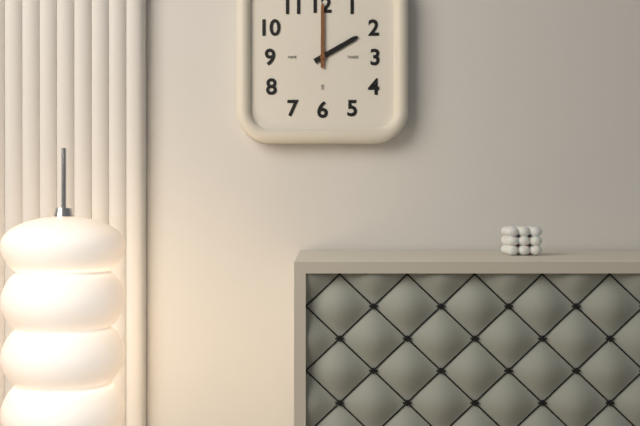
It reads h=2 m=0
